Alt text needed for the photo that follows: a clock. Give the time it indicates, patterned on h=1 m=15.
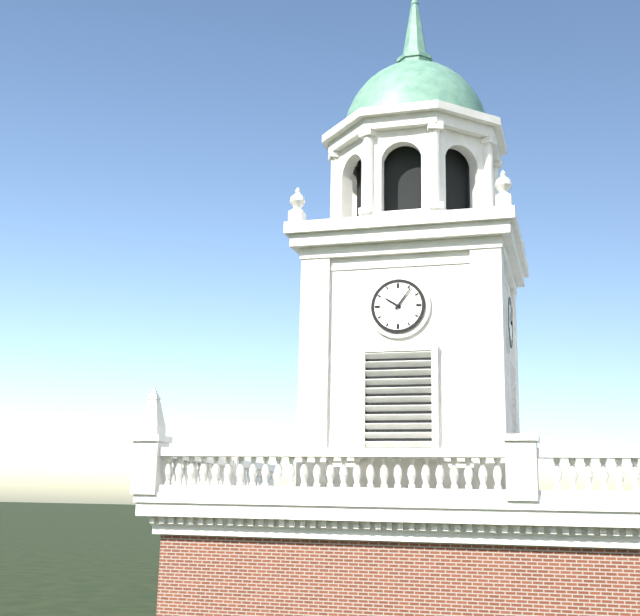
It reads h=10 m=6
